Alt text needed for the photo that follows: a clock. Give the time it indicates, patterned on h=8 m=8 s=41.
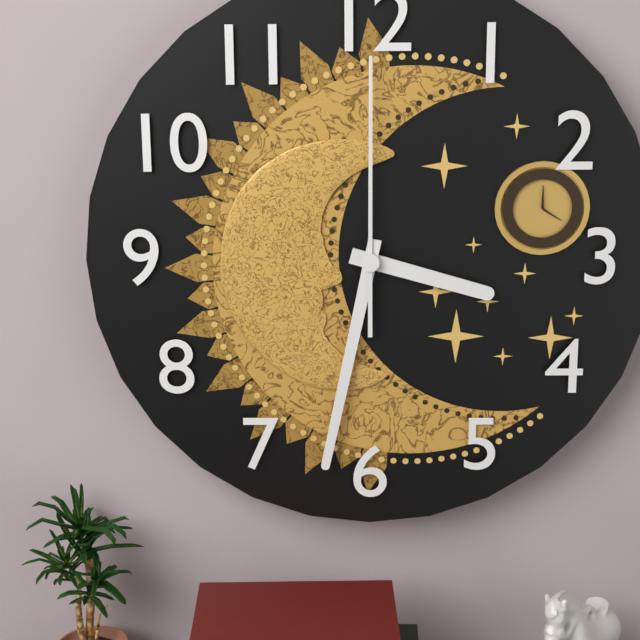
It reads h=3 m=32 s=0
